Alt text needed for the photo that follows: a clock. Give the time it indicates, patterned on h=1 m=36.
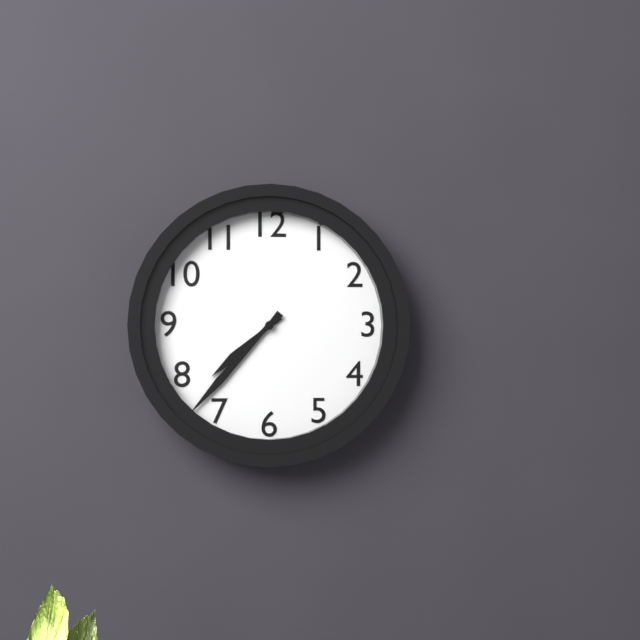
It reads h=7 m=37
